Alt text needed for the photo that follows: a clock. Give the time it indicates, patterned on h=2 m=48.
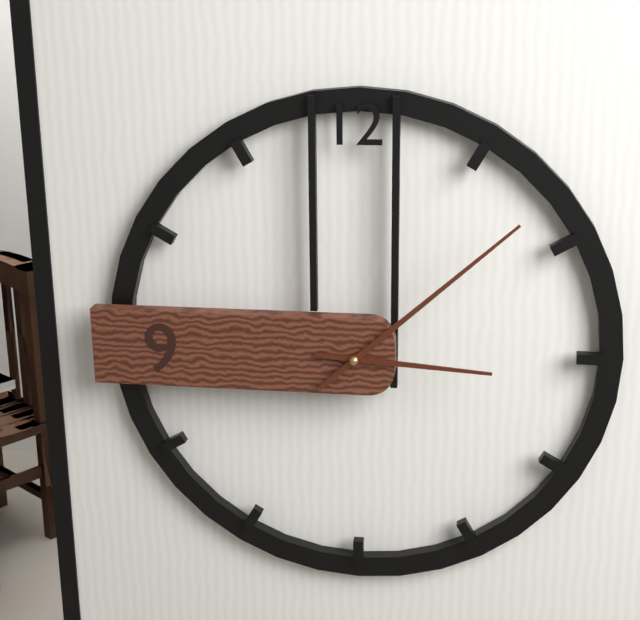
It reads h=3 m=8
